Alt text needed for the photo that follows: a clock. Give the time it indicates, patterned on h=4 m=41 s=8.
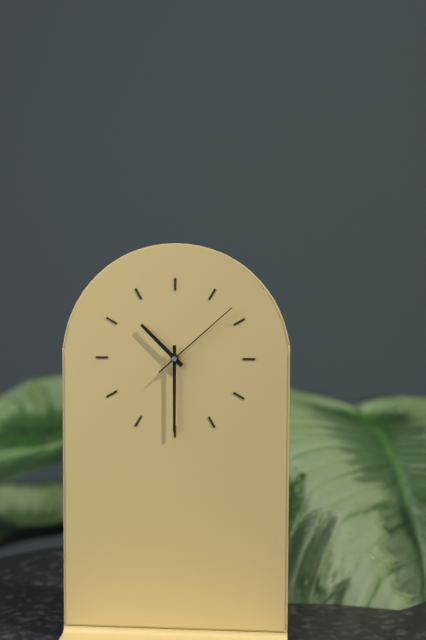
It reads h=10 m=30 s=8
